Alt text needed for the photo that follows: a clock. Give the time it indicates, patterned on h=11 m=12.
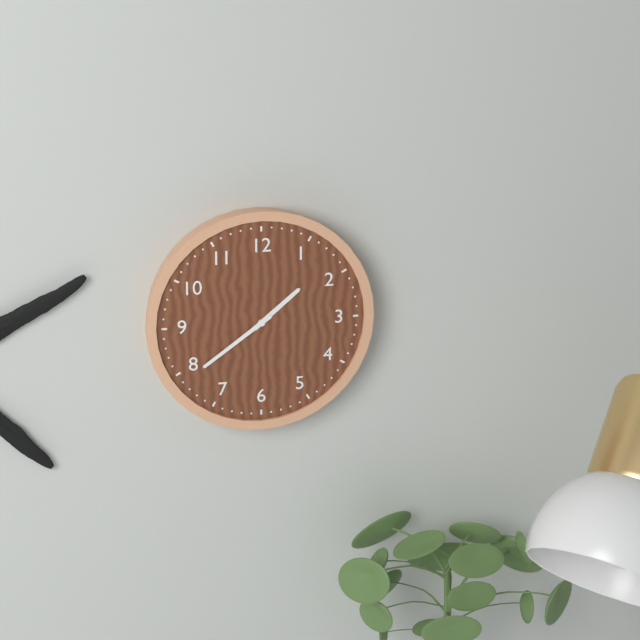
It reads h=1 m=39
